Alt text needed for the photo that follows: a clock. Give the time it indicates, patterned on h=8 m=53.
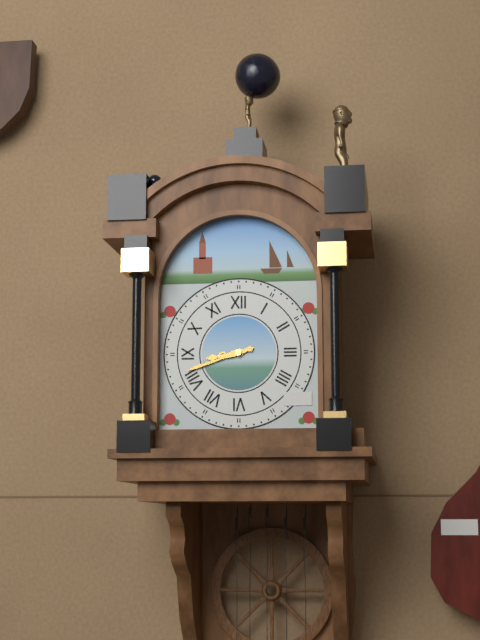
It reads h=8 m=42
